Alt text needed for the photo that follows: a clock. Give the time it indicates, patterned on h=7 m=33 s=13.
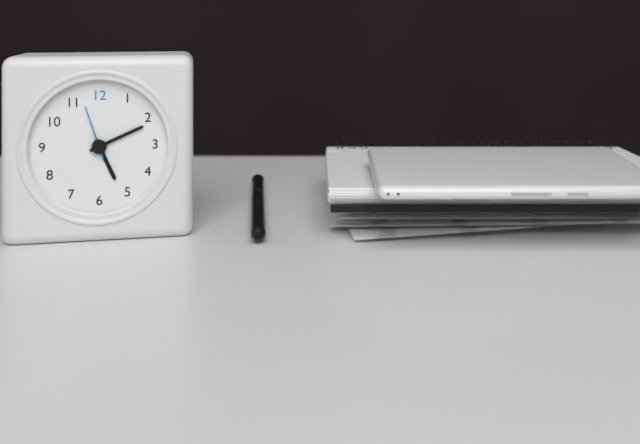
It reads h=5 m=11 s=57
